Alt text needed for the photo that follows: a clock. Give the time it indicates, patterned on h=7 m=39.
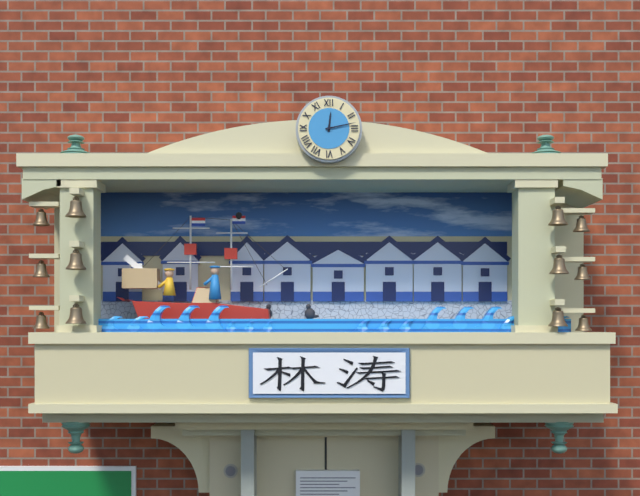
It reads h=12 m=13
